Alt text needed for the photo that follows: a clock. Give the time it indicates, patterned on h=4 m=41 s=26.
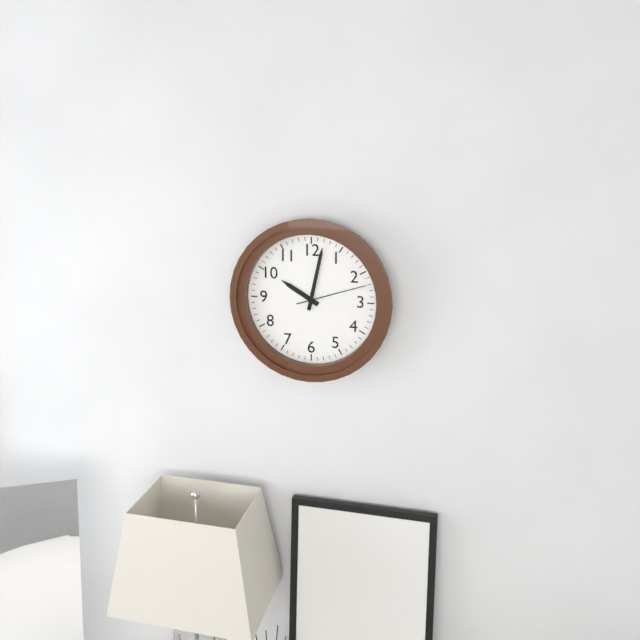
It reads h=10 m=2 s=12
